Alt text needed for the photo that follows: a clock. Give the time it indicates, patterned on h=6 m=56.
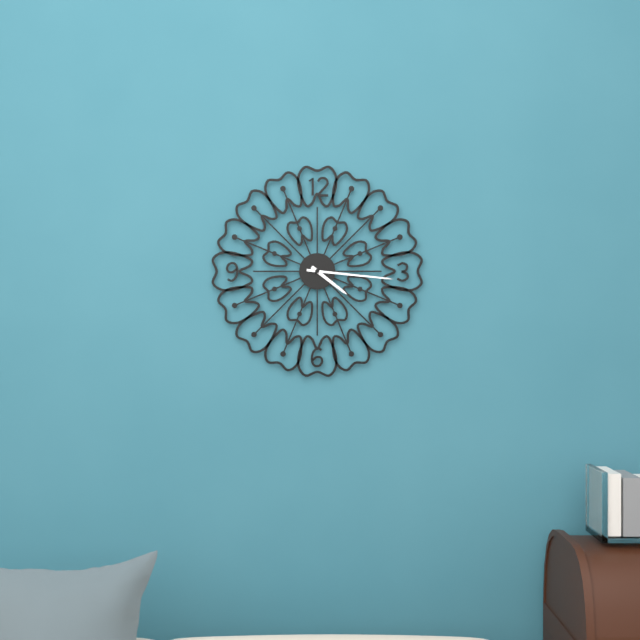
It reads h=4 m=16
